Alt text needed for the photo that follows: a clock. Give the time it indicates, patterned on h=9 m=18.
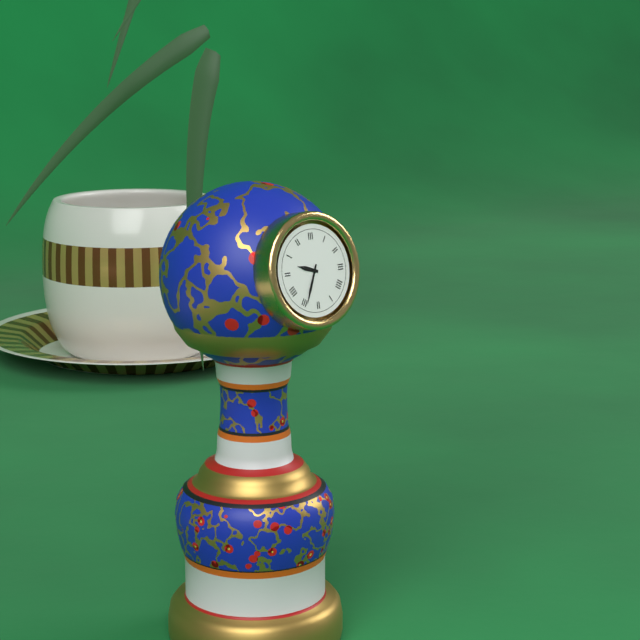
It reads h=9 m=34
